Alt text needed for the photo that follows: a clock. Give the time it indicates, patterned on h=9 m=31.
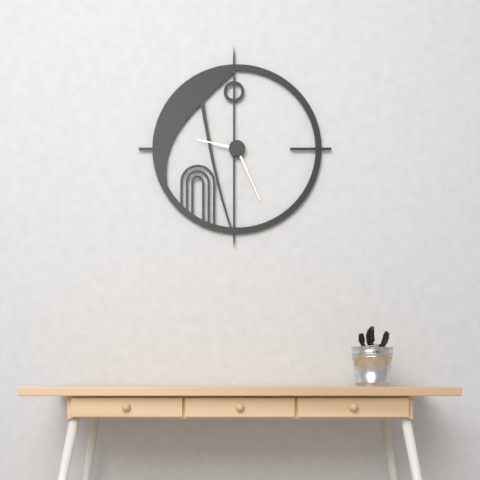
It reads h=9 m=26
